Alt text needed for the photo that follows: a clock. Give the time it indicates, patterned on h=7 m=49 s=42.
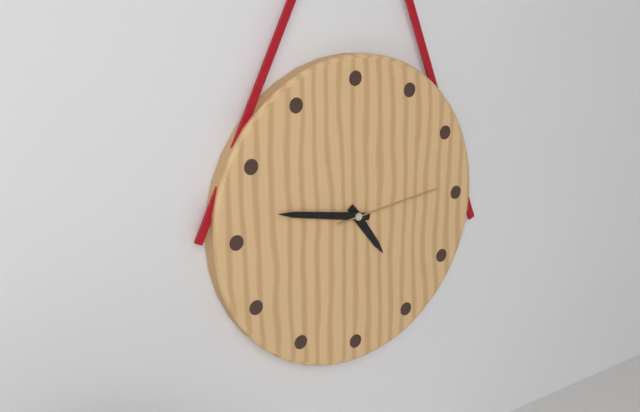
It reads h=4 m=47 s=14
